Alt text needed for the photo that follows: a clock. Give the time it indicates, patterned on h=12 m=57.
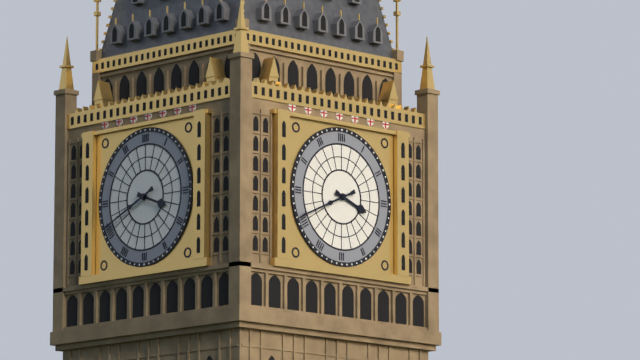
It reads h=3 m=41
